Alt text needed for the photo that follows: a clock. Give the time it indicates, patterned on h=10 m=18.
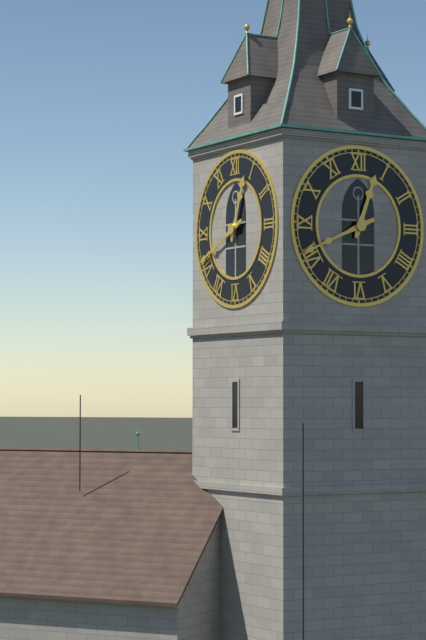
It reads h=12 m=41
